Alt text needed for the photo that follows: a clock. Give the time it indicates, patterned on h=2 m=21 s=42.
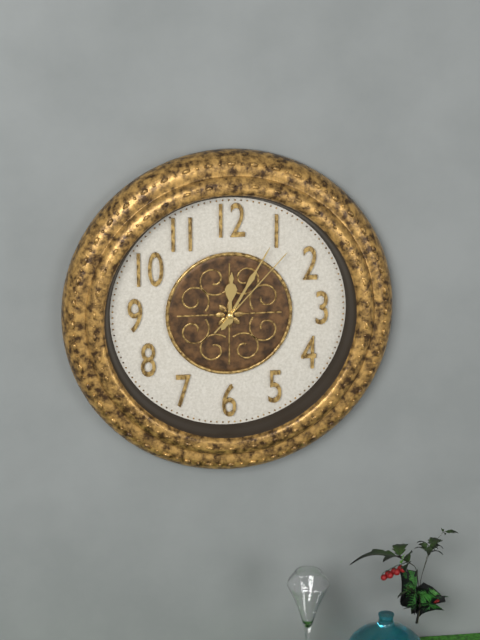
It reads h=12 m=5 s=7
